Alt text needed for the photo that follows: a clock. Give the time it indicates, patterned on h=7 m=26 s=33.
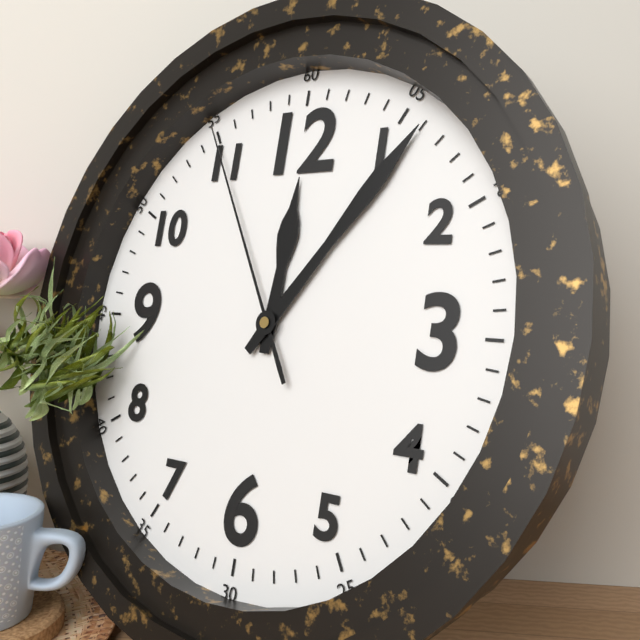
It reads h=12 m=6 s=55
